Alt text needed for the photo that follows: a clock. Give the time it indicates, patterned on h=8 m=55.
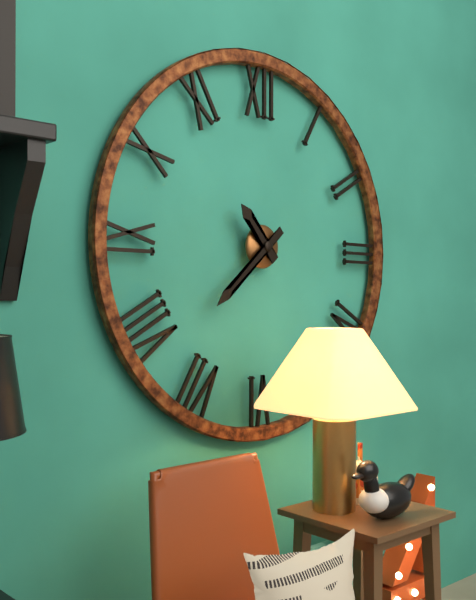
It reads h=10 m=38
